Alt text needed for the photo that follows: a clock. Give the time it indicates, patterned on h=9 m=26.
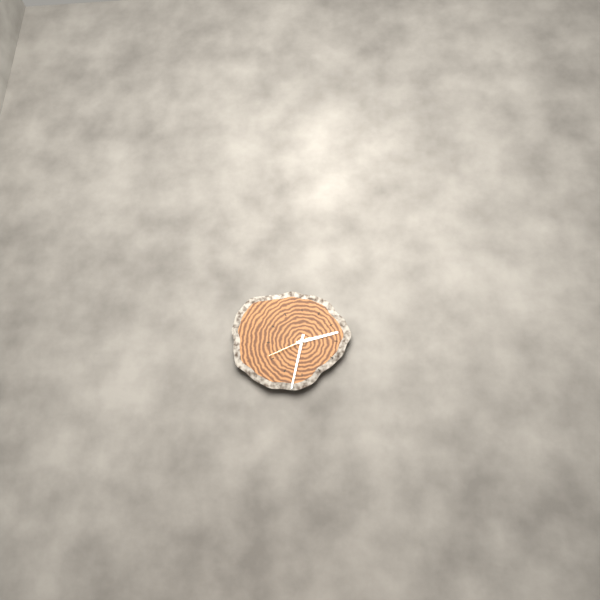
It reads h=2 m=32
